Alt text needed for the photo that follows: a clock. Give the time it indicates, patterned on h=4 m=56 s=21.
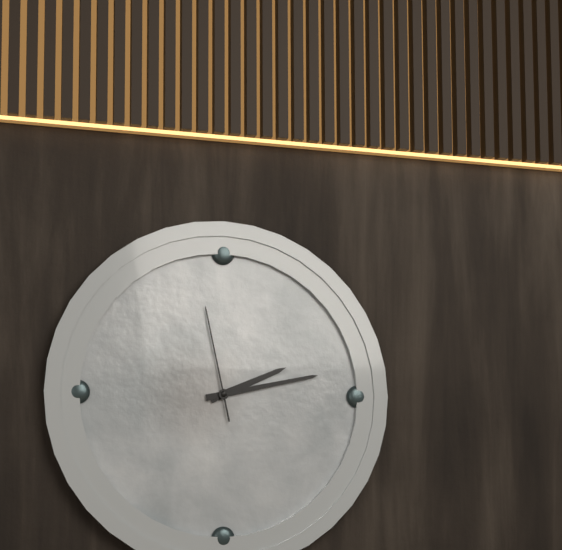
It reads h=2 m=13 s=58
